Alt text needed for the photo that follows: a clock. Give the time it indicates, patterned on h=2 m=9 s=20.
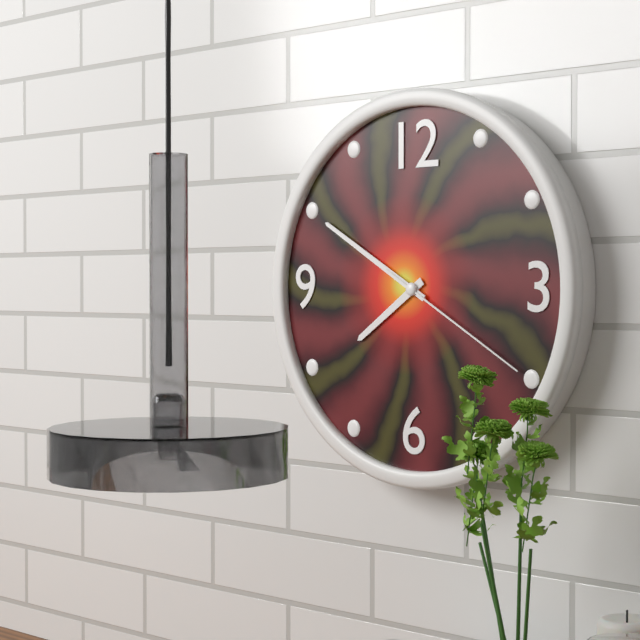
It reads h=7 m=50 s=20
